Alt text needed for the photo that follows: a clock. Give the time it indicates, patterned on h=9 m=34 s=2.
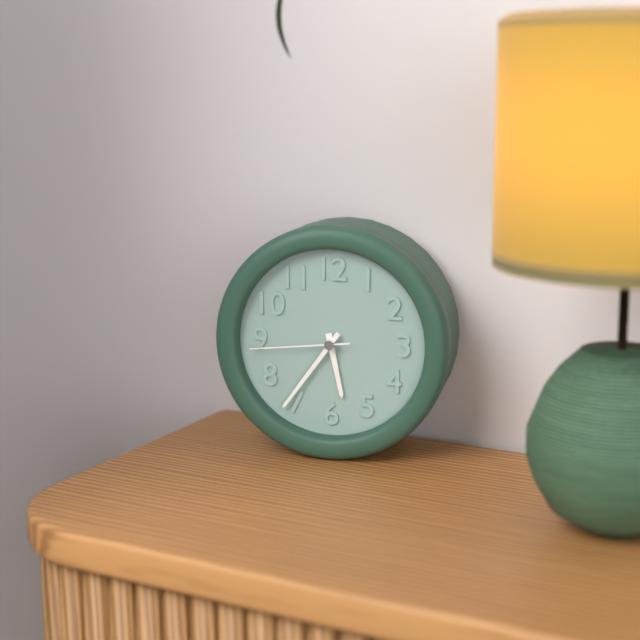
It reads h=5 m=36 s=44
